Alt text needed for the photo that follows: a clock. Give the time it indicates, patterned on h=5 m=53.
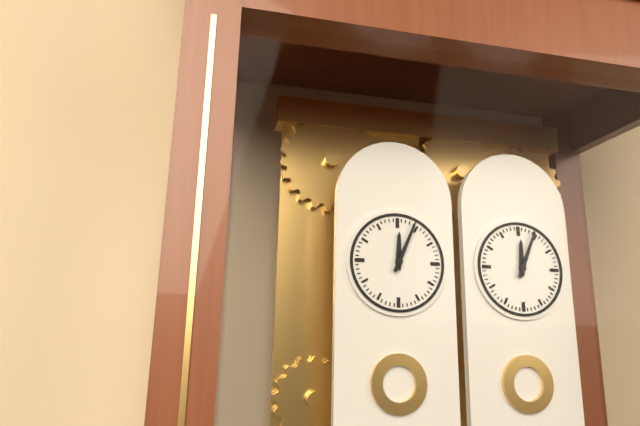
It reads h=12 m=4
